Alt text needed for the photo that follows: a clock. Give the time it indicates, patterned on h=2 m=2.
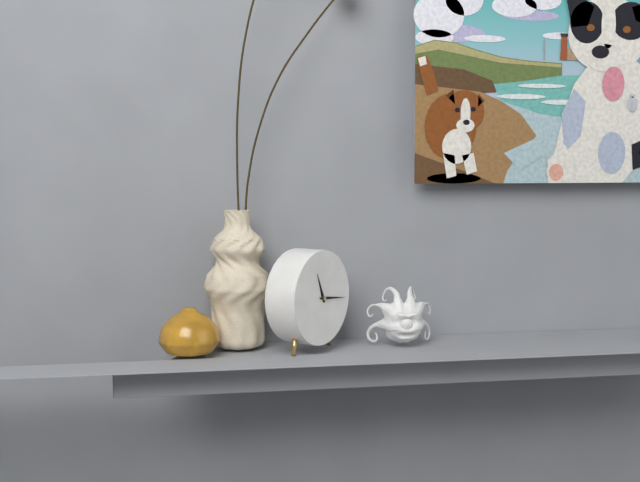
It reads h=11 m=16
